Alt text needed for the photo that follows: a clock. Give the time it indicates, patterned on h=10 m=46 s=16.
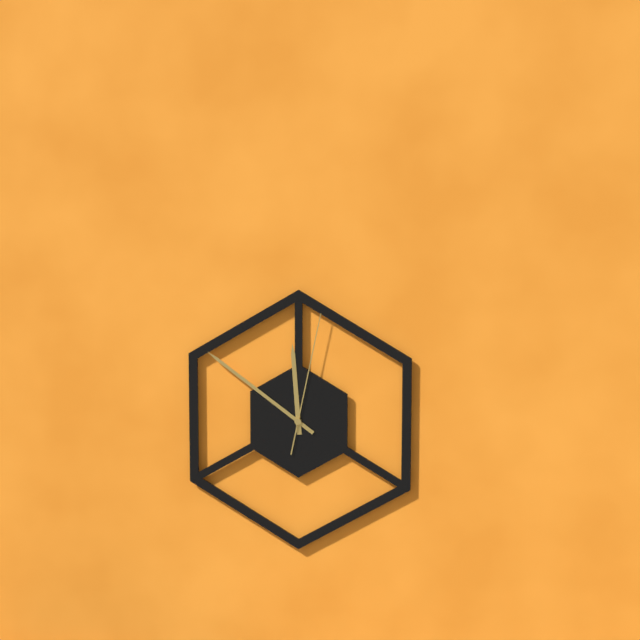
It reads h=11 m=51 s=2
